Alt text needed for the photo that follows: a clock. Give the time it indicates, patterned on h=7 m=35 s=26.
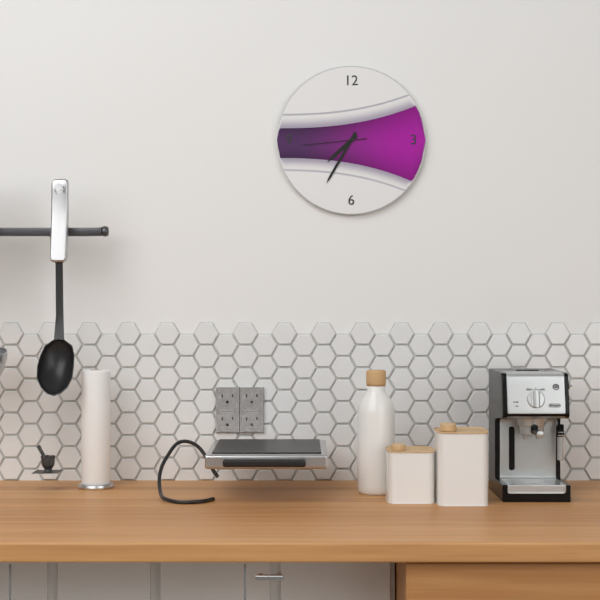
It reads h=7 m=35 s=44
